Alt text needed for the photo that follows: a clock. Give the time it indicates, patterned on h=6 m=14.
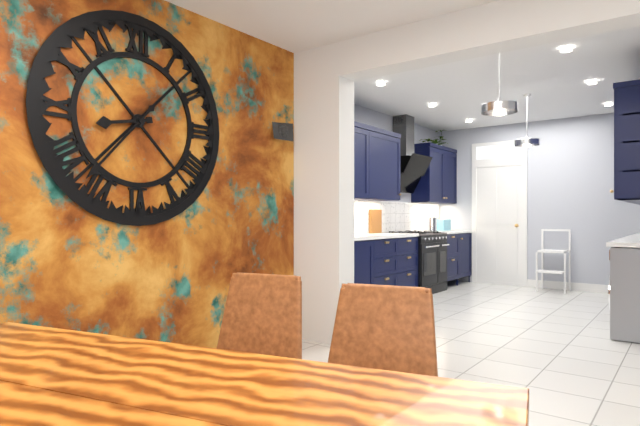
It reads h=8 m=37
